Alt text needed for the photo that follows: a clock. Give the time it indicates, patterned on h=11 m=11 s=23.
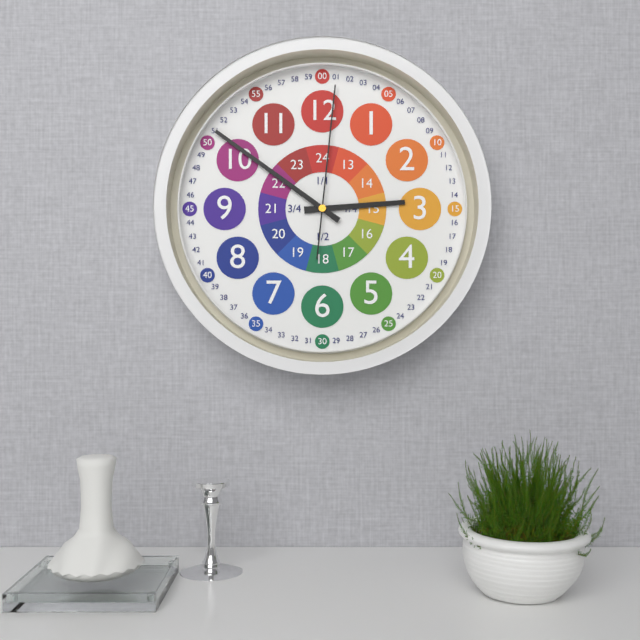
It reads h=2 m=51 s=1
